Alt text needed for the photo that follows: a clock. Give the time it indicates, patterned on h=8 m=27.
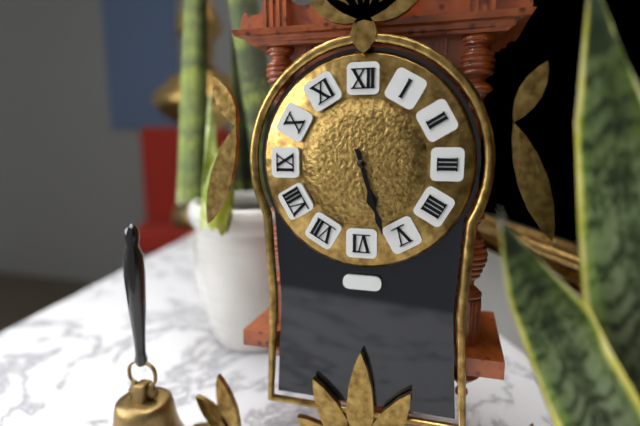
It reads h=5 m=27
